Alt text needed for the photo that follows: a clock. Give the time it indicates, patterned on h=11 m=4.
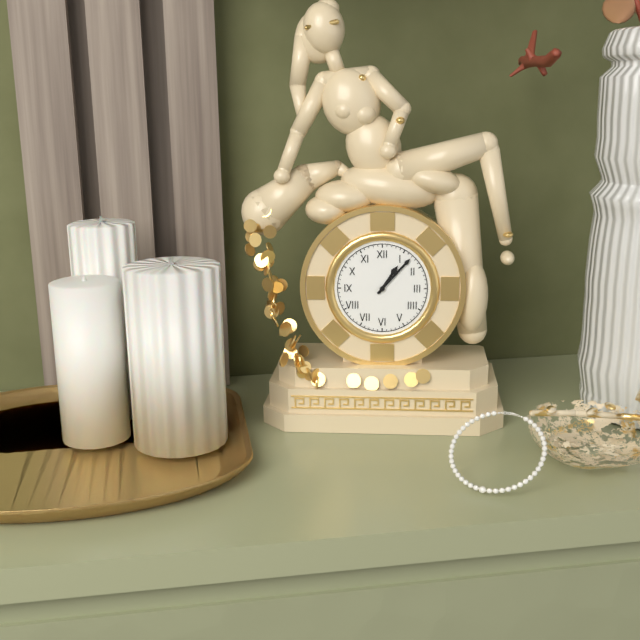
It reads h=1 m=7
